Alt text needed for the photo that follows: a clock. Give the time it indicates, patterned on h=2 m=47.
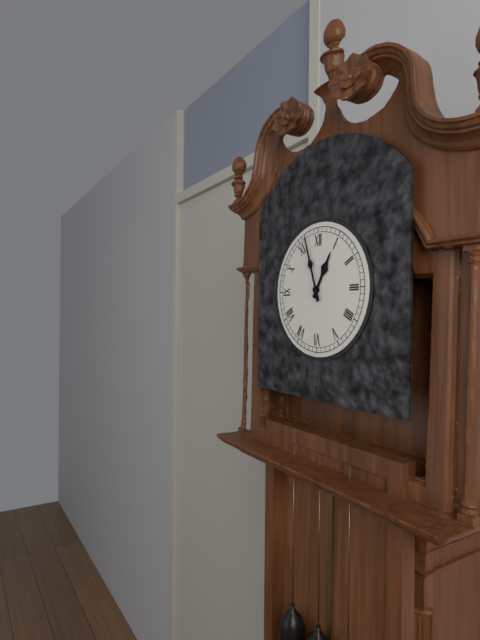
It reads h=12 m=57
